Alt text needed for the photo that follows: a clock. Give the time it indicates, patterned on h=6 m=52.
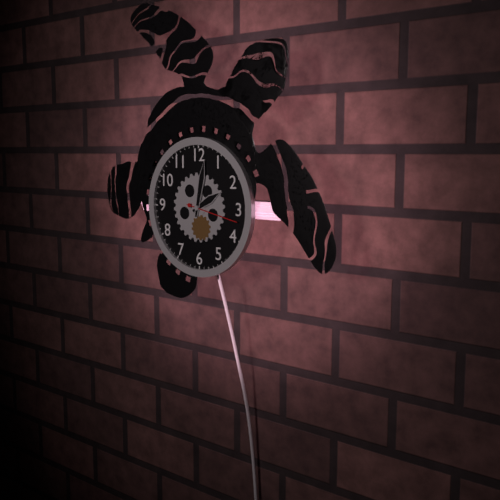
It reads h=2 m=2
